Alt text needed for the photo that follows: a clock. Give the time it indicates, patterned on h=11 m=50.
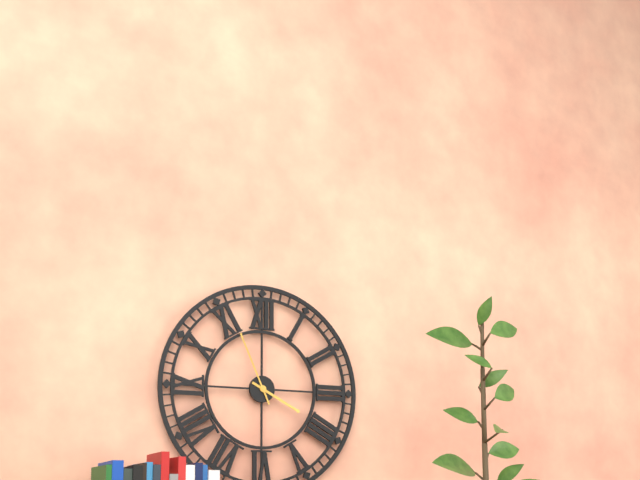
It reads h=3 m=56
